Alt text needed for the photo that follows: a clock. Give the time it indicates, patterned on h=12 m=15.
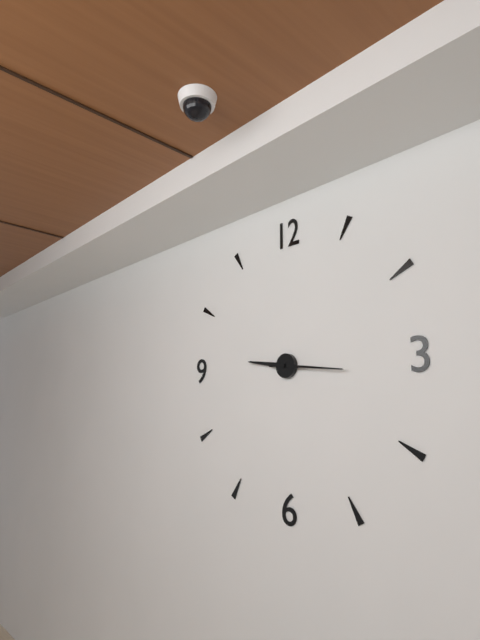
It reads h=9 m=16
